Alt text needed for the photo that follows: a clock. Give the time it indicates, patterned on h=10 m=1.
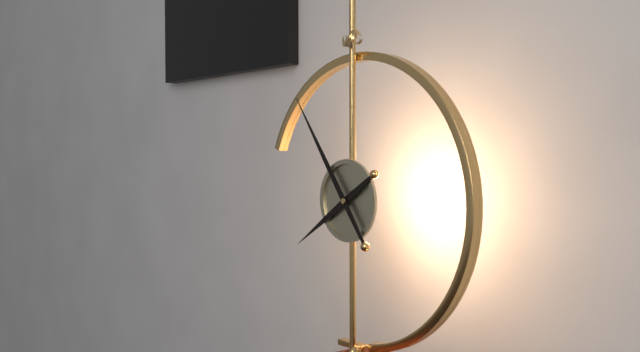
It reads h=7 m=54
